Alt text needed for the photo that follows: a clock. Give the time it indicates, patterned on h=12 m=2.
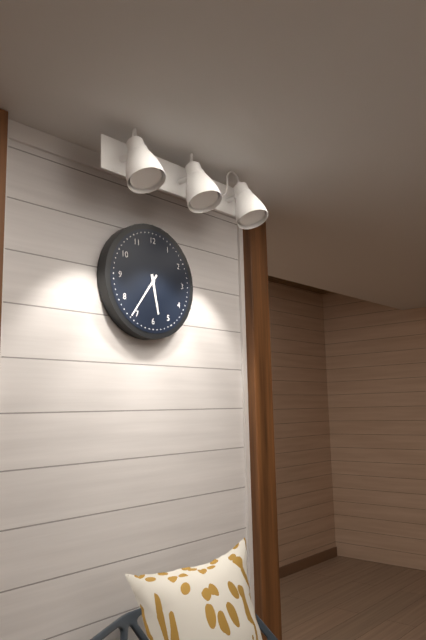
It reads h=5 m=36
